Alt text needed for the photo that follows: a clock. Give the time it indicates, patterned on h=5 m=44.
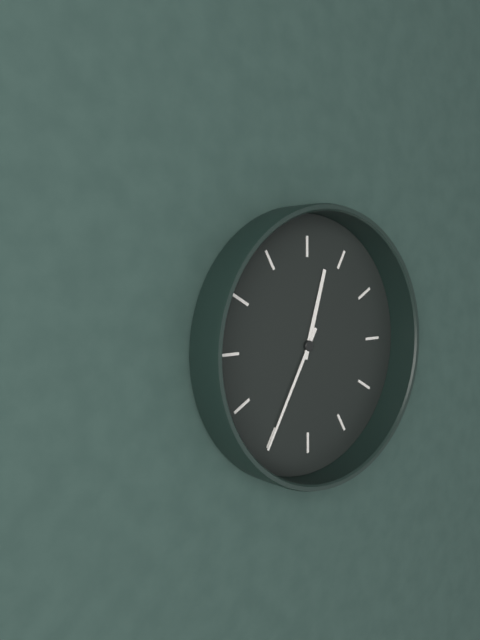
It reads h=12 m=35
